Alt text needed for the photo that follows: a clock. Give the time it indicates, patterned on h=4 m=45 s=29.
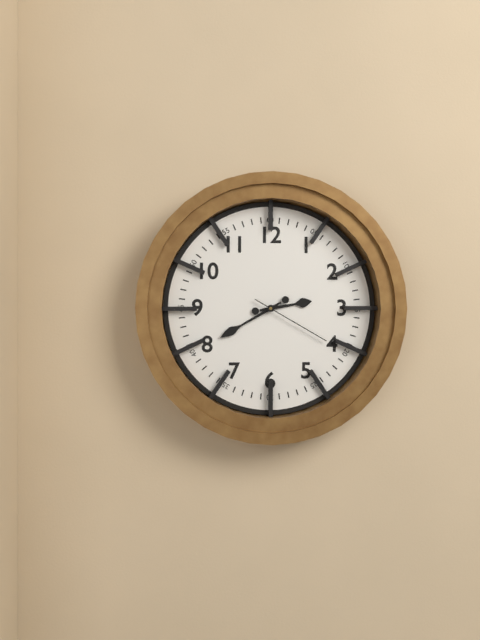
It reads h=2 m=40 s=20
